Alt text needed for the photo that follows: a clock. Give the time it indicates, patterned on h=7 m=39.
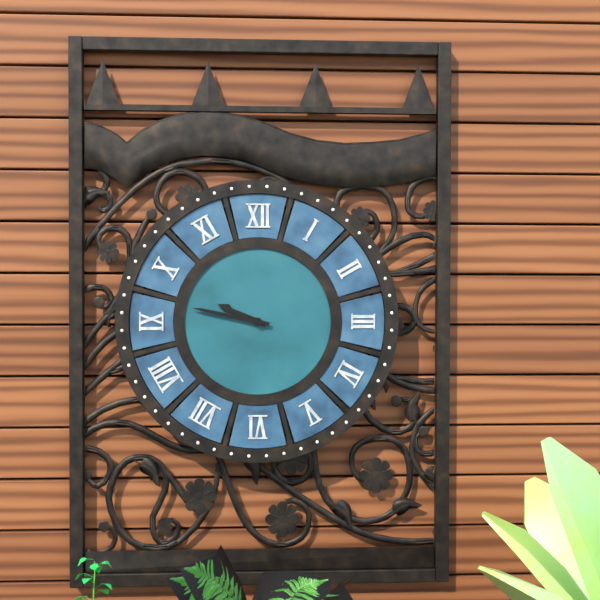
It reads h=9 m=47
